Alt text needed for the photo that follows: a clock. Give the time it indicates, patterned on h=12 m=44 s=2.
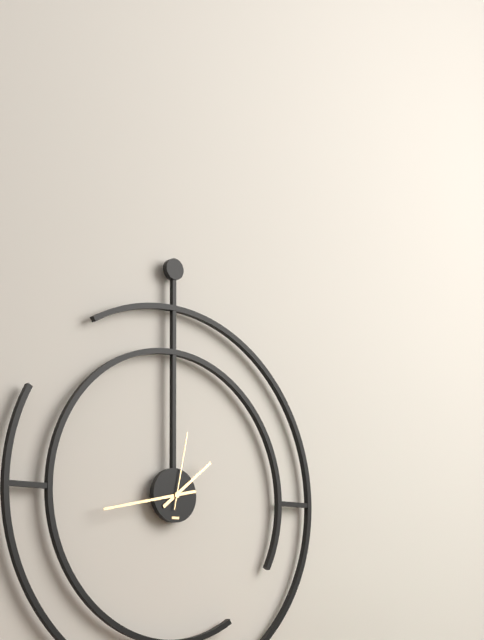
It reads h=1 m=43 s=2
